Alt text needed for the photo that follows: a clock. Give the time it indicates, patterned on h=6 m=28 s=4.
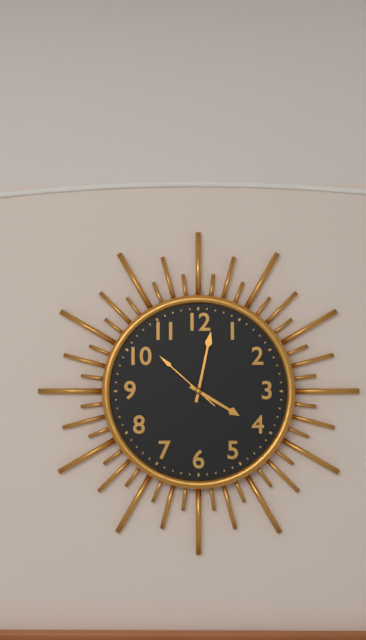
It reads h=4 m=2 s=52
